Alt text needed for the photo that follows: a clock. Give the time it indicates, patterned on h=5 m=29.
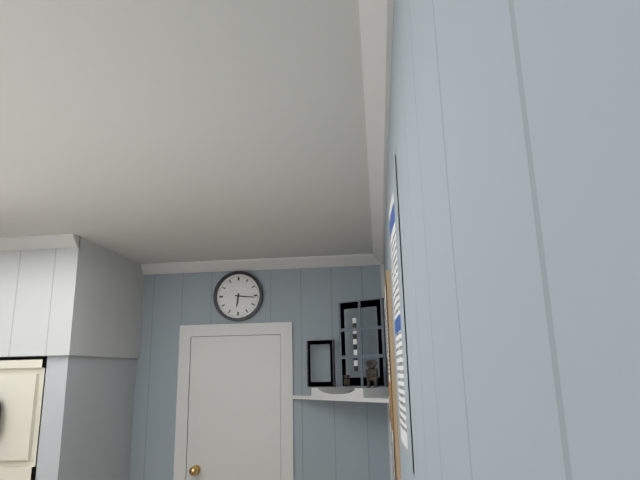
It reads h=6 m=16
